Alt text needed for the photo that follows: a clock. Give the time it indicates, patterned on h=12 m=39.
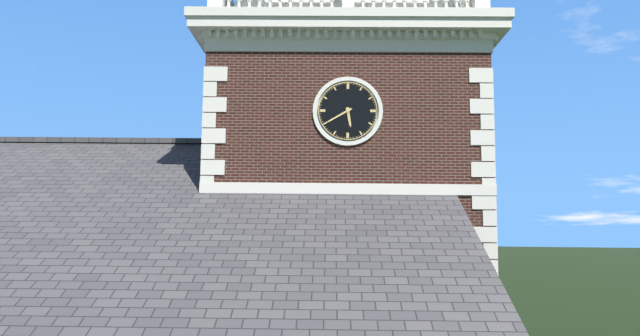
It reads h=5 m=40
